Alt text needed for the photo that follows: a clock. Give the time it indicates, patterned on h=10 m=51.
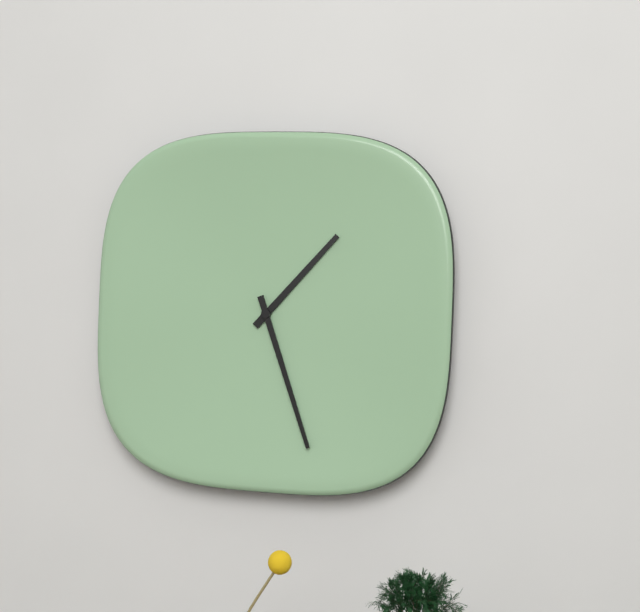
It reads h=1 m=27
